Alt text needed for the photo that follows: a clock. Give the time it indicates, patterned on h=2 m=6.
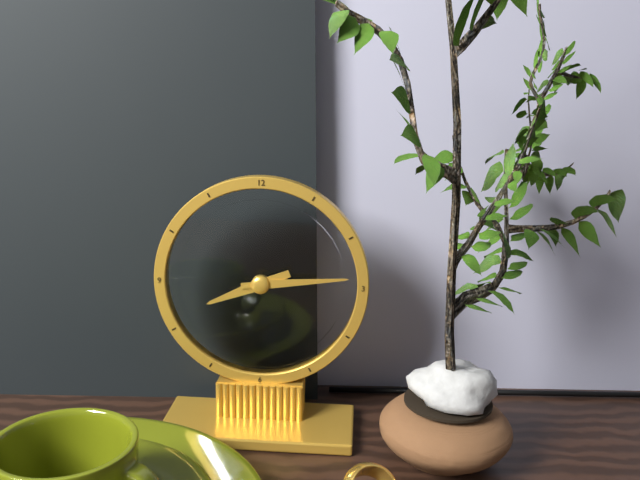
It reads h=8 m=14
